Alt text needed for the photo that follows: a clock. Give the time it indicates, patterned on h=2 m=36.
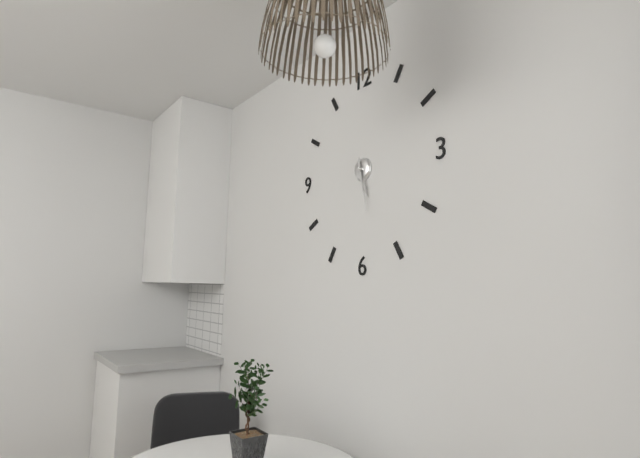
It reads h=5 m=28
